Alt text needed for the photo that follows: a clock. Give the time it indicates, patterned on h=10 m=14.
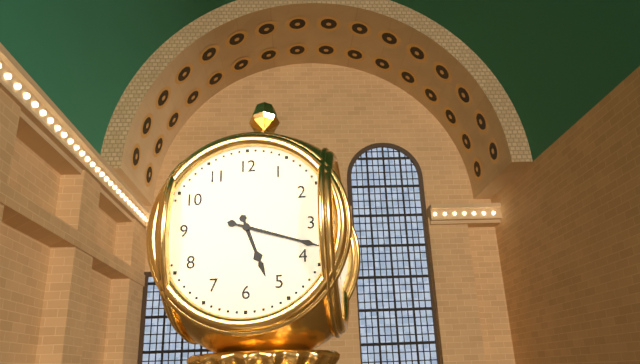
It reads h=5 m=18
